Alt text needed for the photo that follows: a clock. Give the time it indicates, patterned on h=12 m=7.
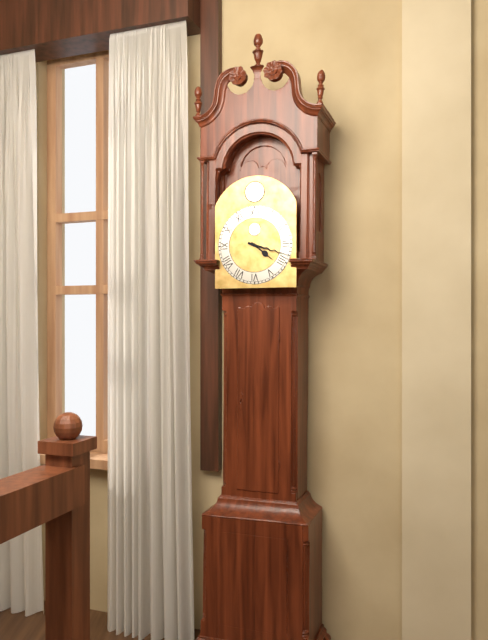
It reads h=4 m=18
